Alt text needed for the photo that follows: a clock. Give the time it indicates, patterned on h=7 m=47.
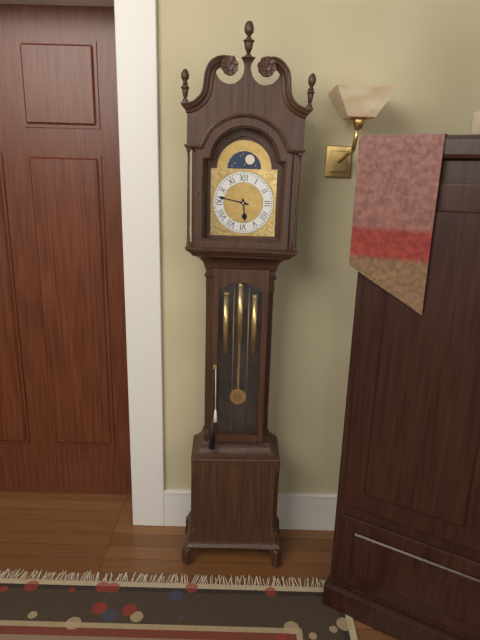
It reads h=5 m=47
